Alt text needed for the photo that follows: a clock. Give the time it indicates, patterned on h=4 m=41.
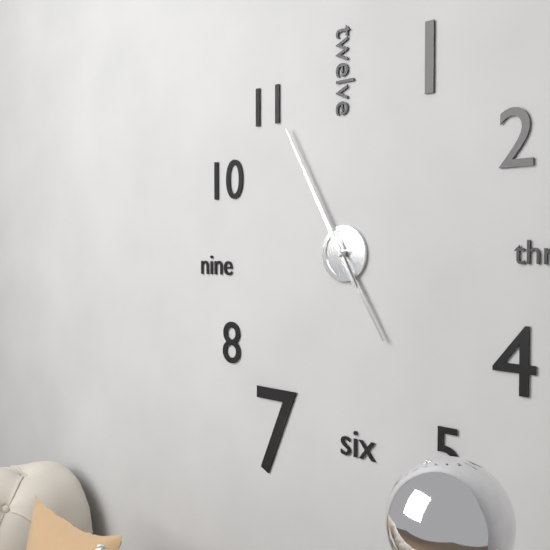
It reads h=4 m=55
